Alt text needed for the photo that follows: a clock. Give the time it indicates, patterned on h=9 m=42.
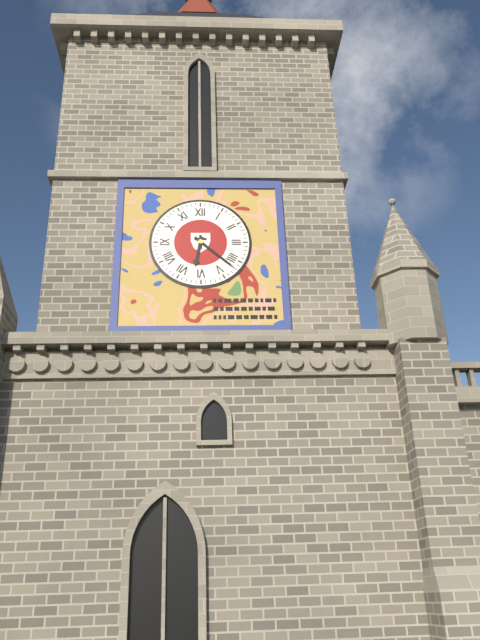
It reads h=6 m=22
